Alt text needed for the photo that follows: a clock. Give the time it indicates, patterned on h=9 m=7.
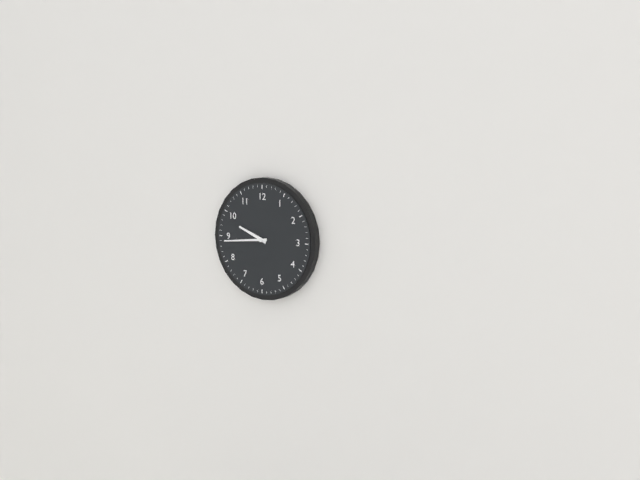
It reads h=9 m=44
